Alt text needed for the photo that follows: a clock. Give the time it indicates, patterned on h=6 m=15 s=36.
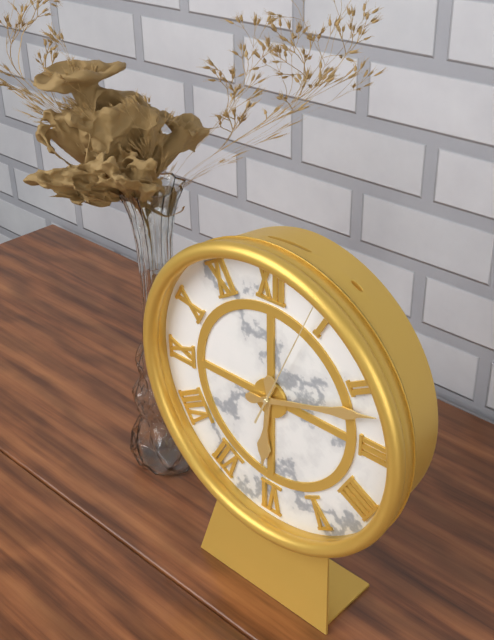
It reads h=6 m=12 s=4
